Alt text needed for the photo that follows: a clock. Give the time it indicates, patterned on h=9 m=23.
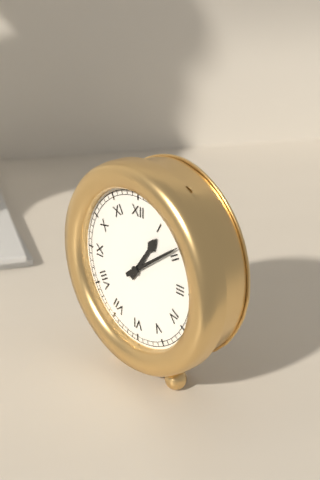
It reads h=1 m=9
